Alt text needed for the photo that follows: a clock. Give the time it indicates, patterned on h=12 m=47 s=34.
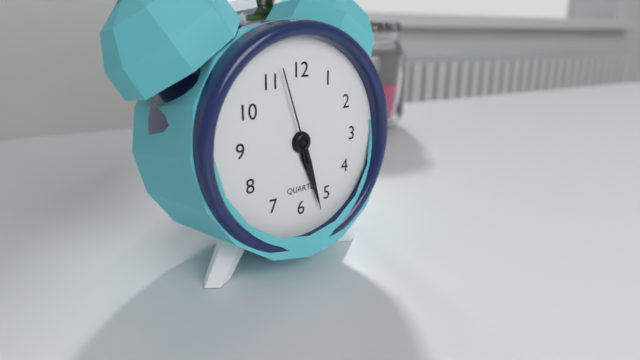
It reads h=5 m=27 s=57
